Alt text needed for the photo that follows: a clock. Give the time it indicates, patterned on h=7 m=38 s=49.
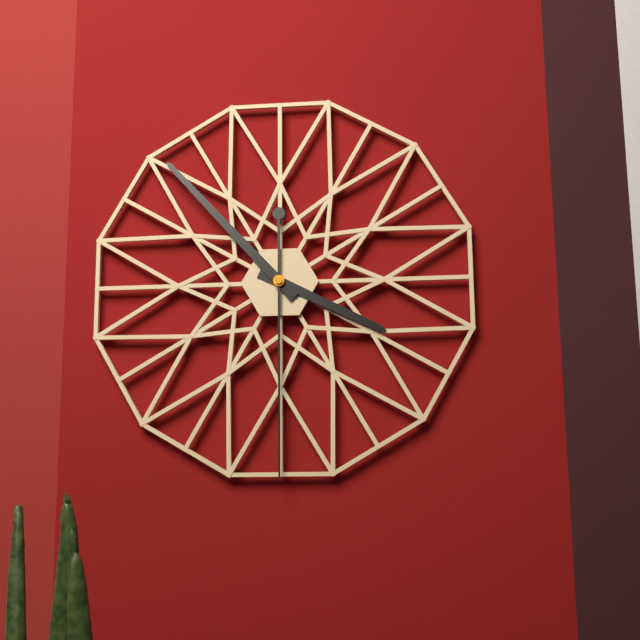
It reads h=3 m=53 s=30
